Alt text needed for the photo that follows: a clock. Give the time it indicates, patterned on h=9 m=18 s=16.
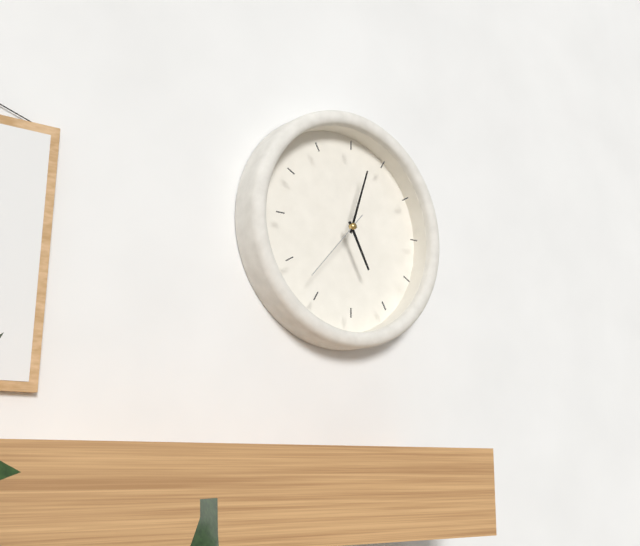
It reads h=5 m=3 s=37
